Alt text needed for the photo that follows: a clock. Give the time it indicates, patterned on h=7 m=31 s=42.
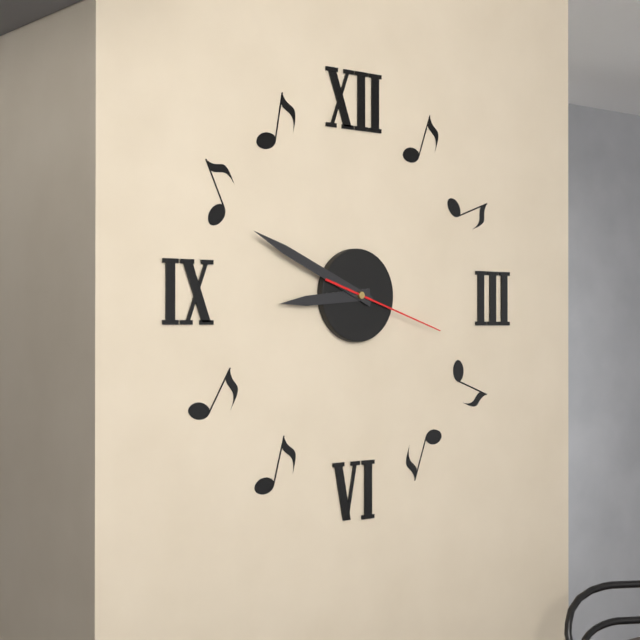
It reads h=8 m=49 s=18
